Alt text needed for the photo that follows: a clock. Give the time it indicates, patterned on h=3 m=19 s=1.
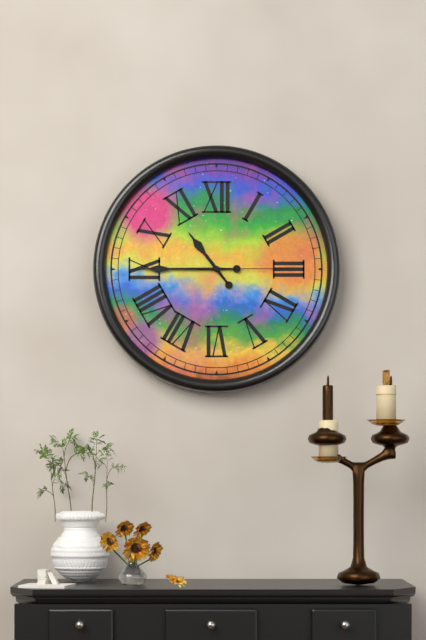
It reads h=10 m=45 s=15
